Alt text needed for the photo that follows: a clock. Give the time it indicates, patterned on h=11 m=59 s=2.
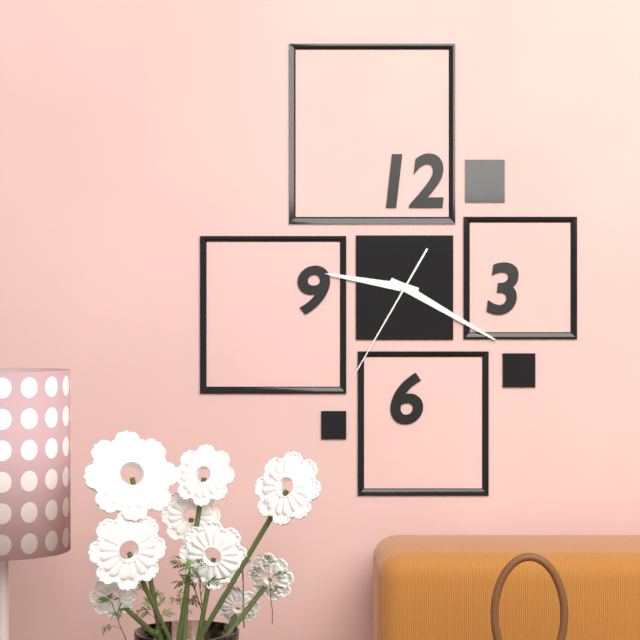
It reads h=9 m=20 s=35
